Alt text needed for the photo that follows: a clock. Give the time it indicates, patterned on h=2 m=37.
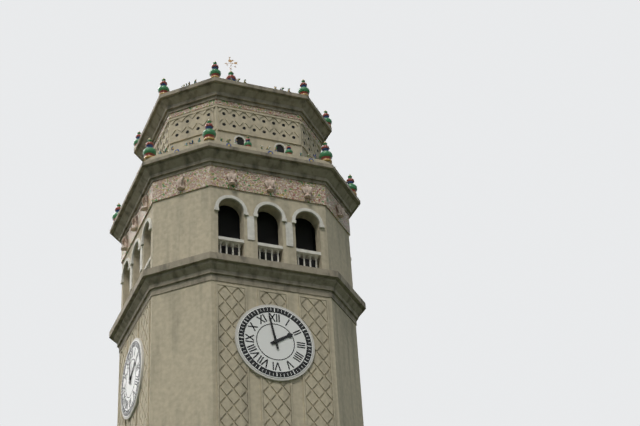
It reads h=1 m=58
